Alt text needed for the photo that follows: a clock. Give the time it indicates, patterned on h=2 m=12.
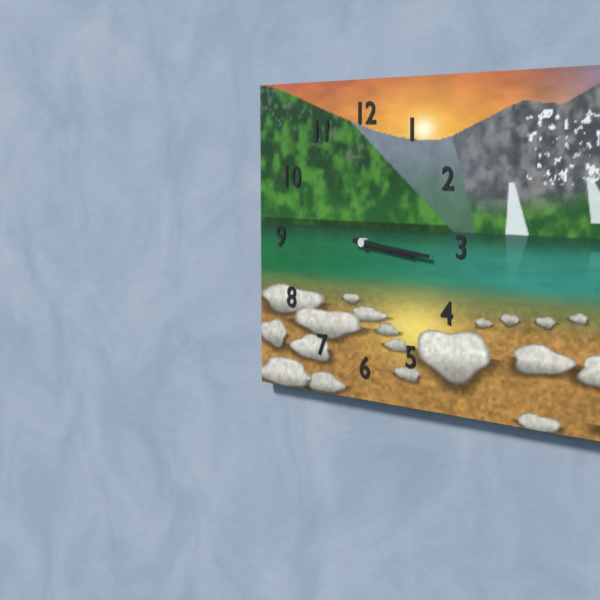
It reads h=3 m=16
